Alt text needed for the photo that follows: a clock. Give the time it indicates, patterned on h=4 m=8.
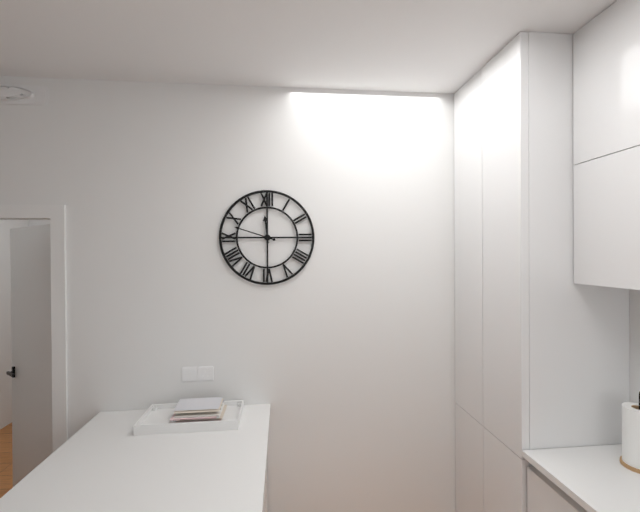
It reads h=11 m=48
